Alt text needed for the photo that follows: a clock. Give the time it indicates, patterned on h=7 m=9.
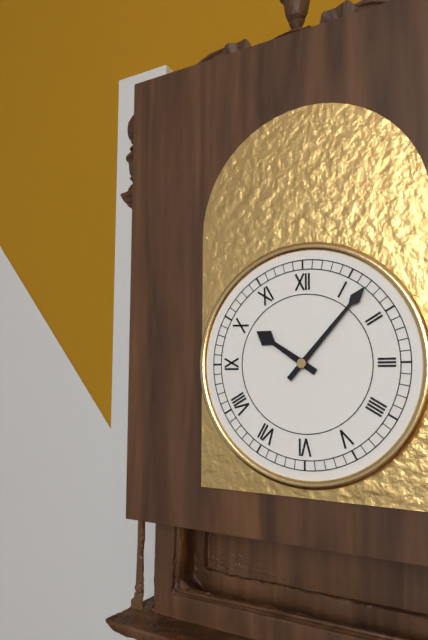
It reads h=10 m=7
